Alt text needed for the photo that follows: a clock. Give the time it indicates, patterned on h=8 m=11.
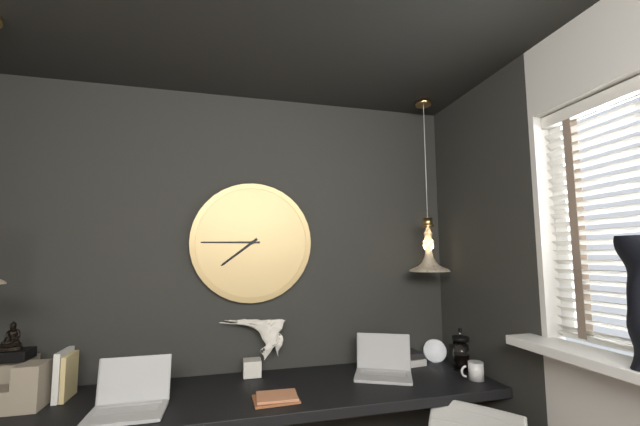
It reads h=7 m=45
